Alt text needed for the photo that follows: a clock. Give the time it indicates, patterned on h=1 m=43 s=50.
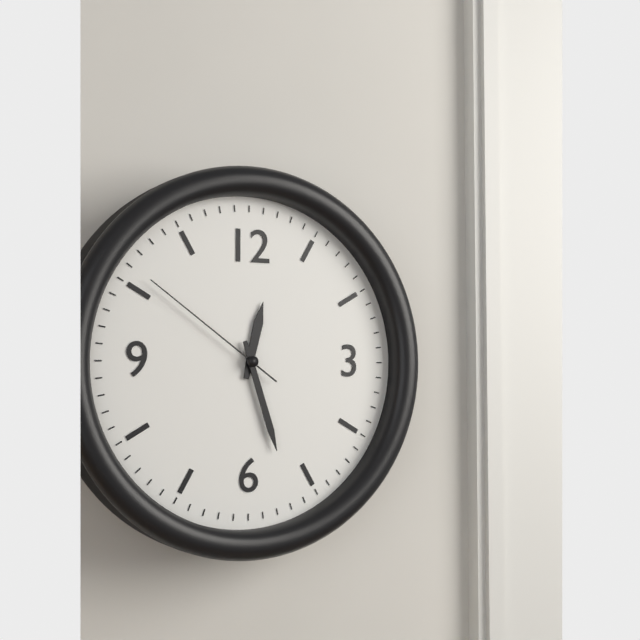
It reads h=12 m=27 s=51
